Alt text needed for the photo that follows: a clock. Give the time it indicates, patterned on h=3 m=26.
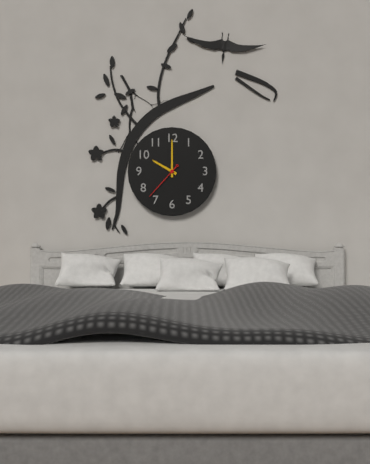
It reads h=10 m=0
